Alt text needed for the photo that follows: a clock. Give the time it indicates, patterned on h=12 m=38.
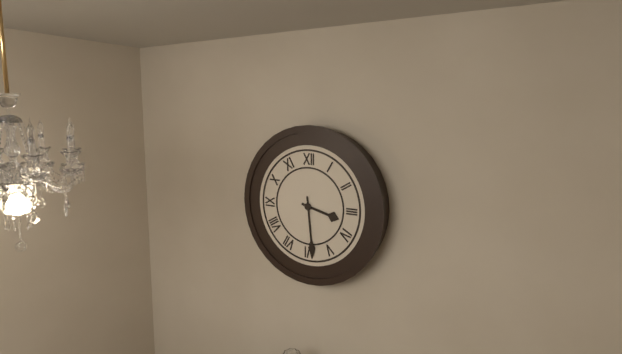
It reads h=3 m=29
